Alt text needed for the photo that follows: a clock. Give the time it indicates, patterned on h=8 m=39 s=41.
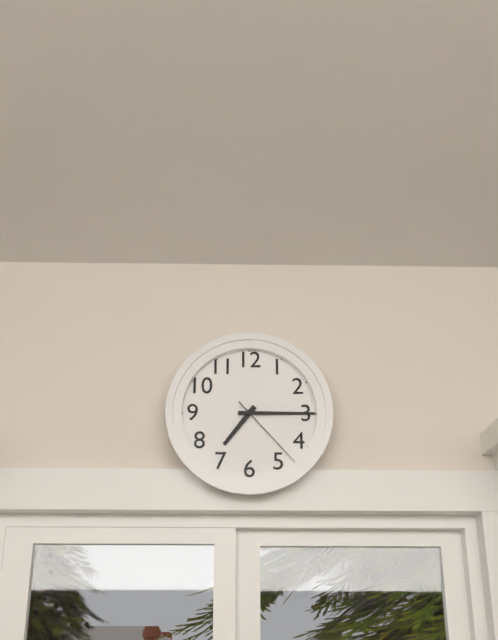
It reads h=7 m=15 s=23
